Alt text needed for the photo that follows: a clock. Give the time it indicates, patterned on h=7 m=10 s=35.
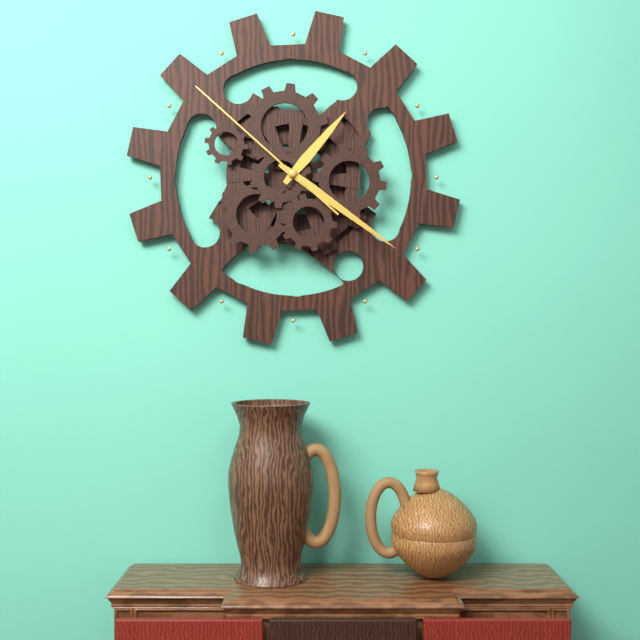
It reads h=1 m=21 s=52
